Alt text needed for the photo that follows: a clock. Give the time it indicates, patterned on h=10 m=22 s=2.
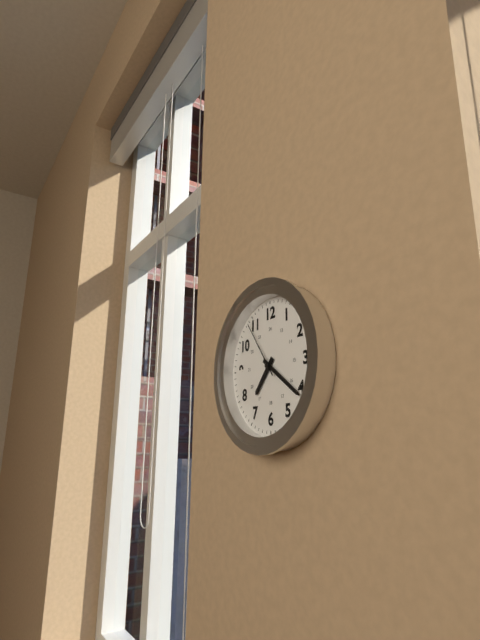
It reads h=7 m=21 s=54
